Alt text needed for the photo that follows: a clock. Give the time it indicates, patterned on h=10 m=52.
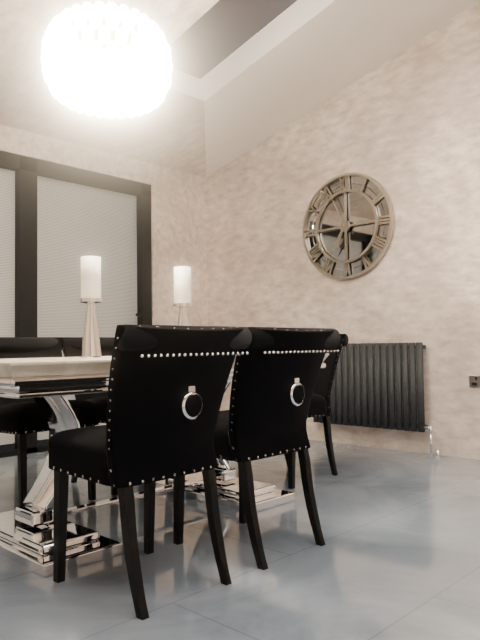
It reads h=6 m=56
